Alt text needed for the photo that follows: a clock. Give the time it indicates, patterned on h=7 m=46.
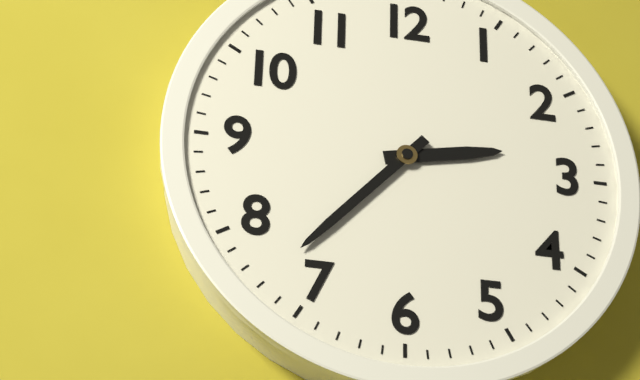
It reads h=2 m=37
